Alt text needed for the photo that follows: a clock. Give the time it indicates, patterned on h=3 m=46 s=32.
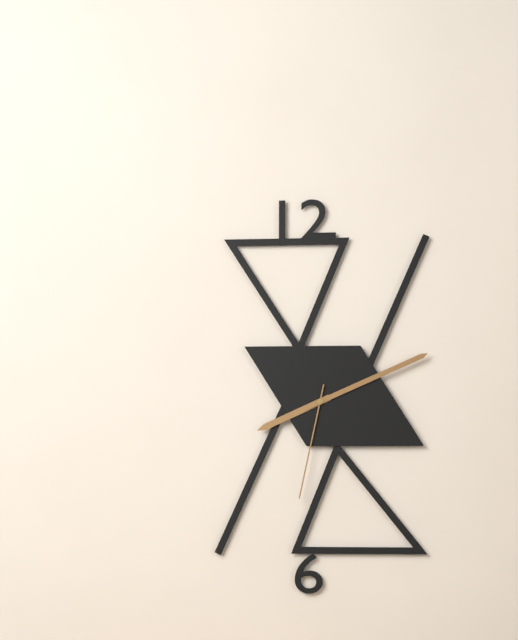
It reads h=8 m=11 s=32
